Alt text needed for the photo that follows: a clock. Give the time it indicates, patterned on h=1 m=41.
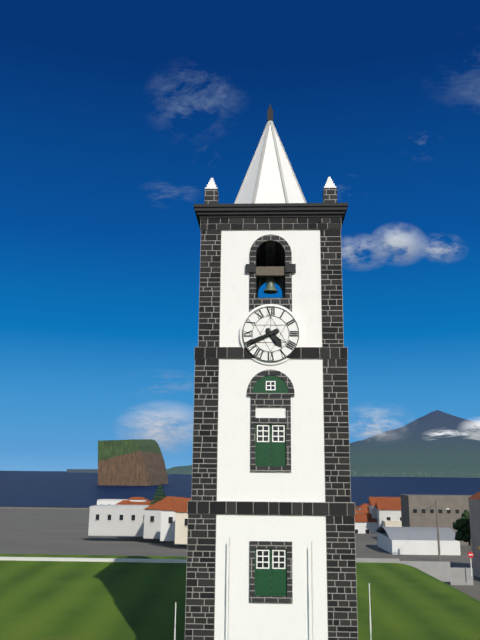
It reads h=4 m=41
